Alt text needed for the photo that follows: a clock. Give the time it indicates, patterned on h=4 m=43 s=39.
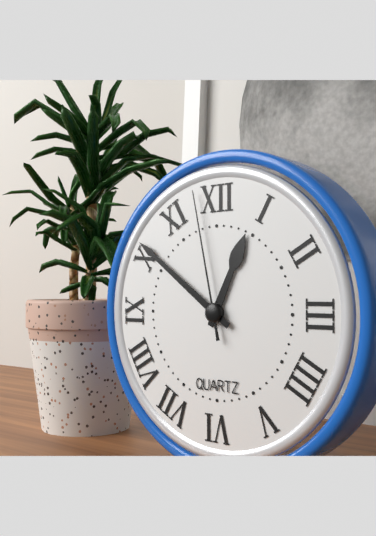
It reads h=12 m=51 s=58
